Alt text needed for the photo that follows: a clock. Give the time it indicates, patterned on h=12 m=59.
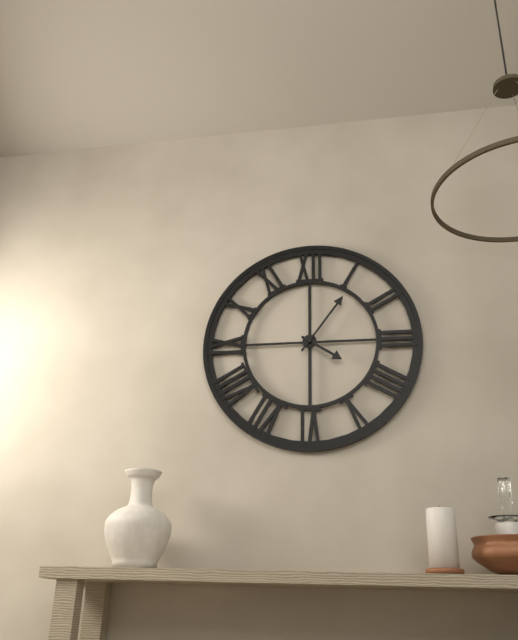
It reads h=4 m=6
